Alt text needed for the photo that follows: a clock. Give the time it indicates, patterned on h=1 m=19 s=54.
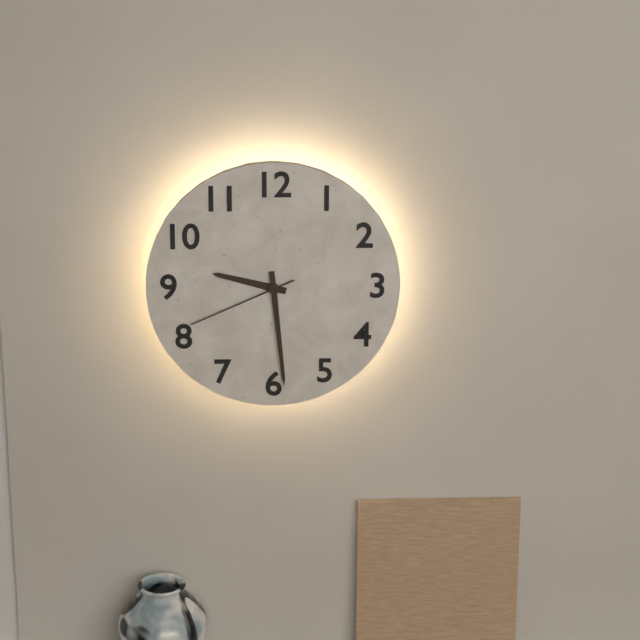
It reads h=9 m=29 s=41
